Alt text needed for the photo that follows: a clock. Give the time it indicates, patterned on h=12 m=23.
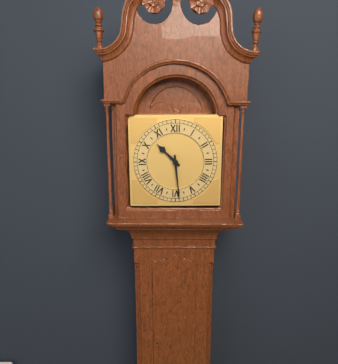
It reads h=10 m=29
